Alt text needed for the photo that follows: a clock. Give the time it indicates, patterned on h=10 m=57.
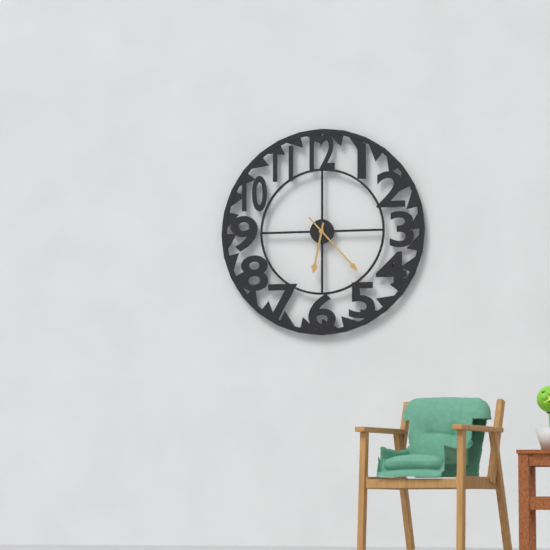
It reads h=6 m=23
